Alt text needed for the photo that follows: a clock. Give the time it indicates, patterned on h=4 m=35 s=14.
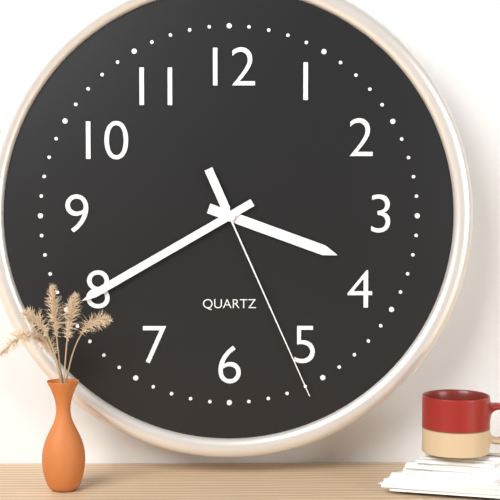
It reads h=3 m=40 s=26
